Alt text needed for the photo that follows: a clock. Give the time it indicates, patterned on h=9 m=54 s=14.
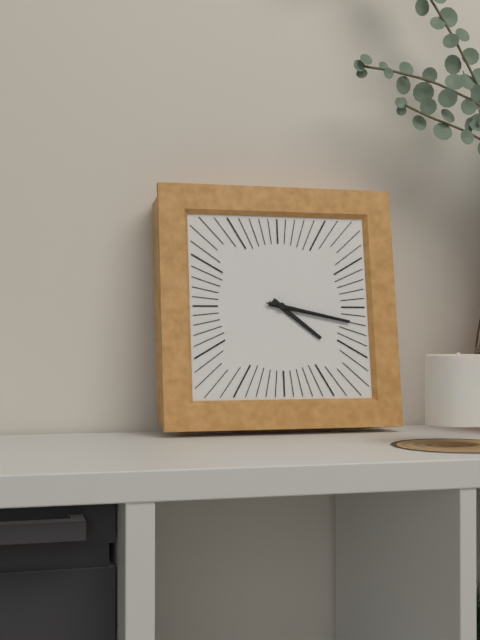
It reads h=4 m=17 s=17
